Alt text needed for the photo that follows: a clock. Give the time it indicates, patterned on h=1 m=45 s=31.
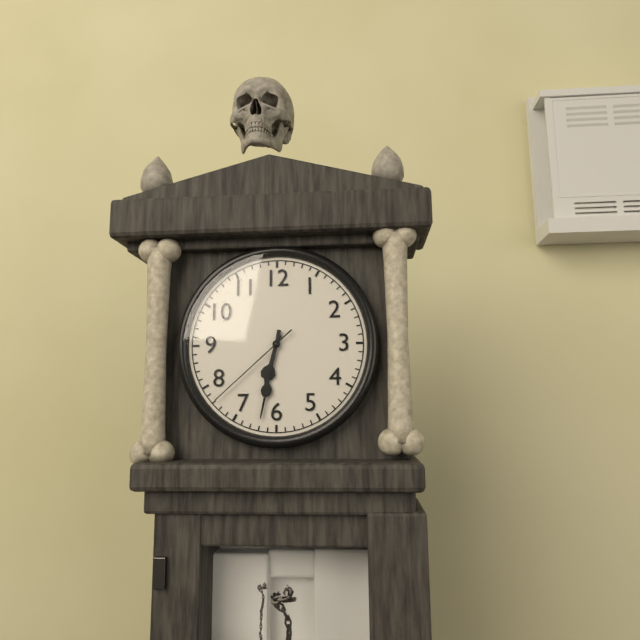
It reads h=6 m=32 s=38
